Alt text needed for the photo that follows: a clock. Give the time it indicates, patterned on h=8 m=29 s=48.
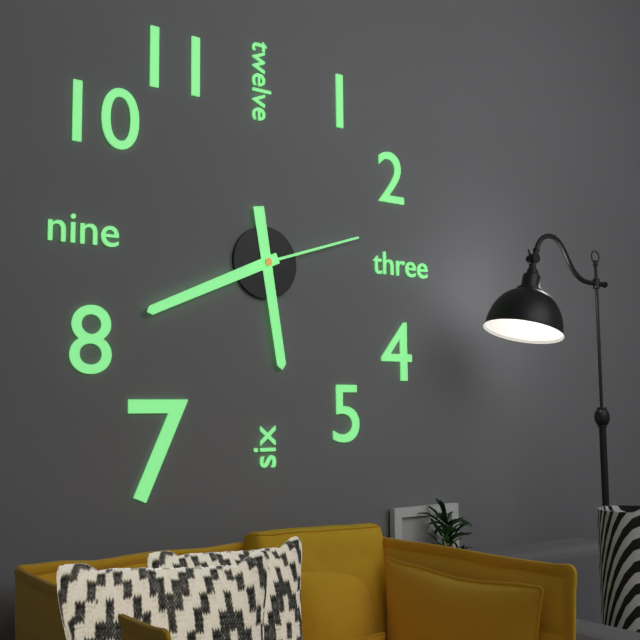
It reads h=5 m=41 s=12
